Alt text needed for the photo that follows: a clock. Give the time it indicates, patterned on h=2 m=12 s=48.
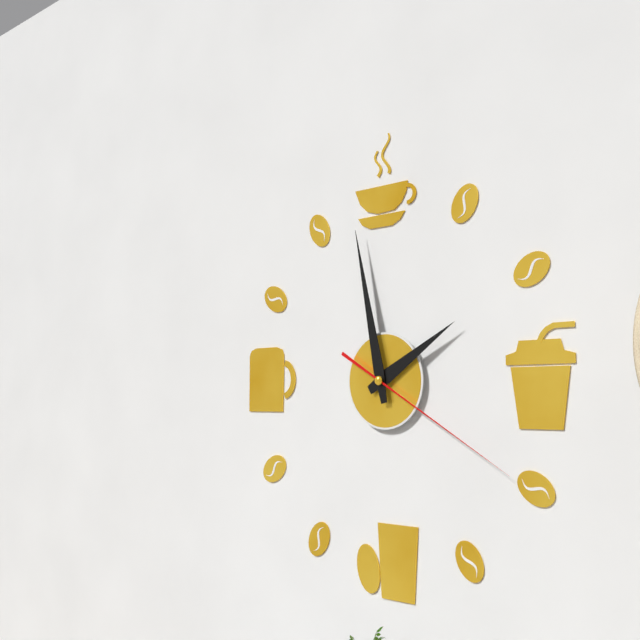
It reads h=1 m=58 s=20
